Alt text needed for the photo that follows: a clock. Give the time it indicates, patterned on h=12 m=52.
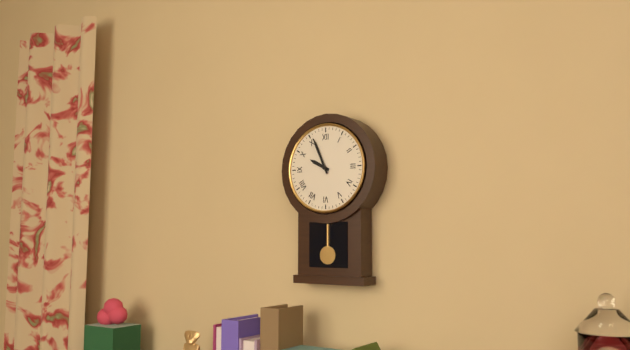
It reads h=9 m=56
